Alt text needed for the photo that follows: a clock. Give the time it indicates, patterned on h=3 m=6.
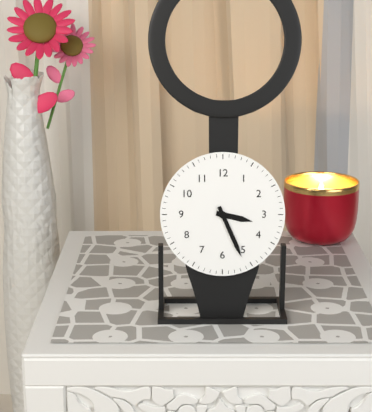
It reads h=3 m=26
